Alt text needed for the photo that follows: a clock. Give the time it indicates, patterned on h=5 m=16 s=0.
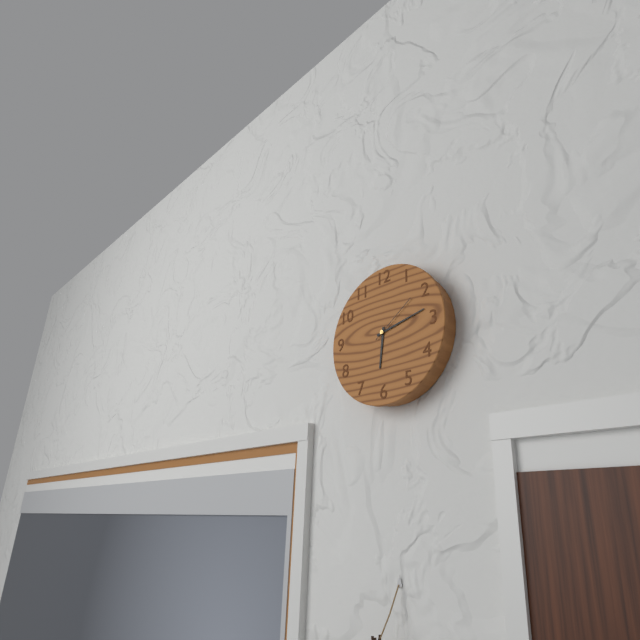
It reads h=6 m=13 s=9
